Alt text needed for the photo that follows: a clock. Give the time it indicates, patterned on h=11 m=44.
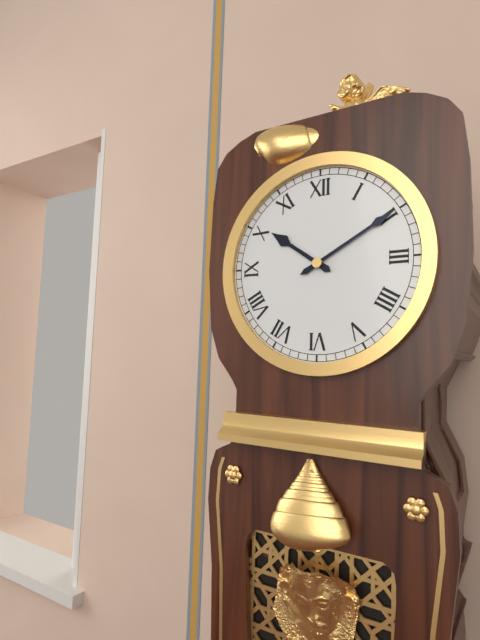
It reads h=10 m=10
